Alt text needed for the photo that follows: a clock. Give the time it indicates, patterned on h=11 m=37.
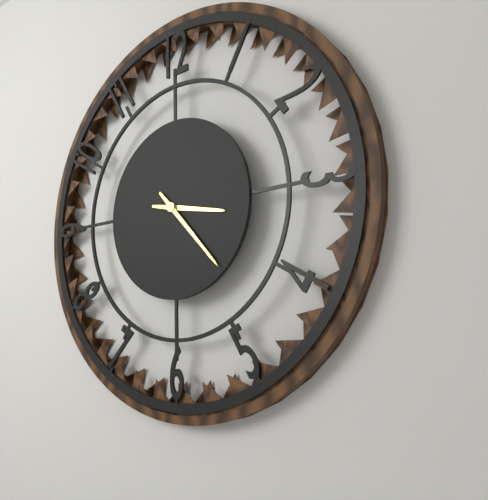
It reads h=3 m=23
